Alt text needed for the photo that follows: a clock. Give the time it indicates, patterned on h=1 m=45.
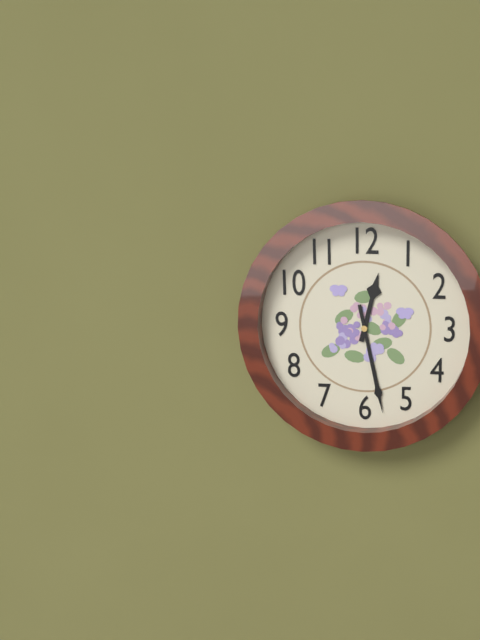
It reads h=12 m=28
